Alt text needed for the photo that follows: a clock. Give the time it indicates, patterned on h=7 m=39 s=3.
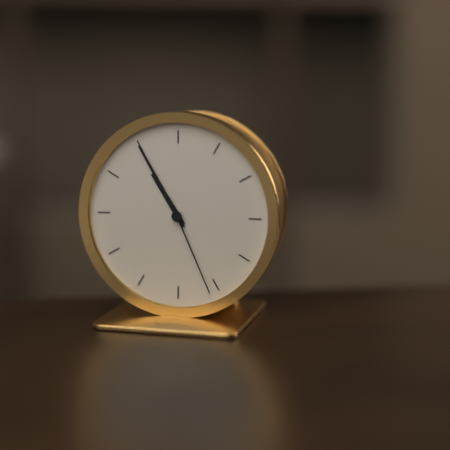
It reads h=10 m=55 s=26
